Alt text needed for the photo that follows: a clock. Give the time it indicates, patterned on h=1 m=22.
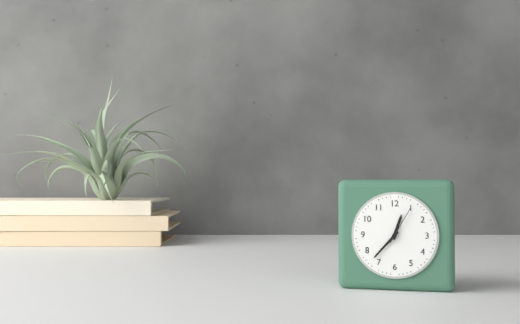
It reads h=12 m=37
